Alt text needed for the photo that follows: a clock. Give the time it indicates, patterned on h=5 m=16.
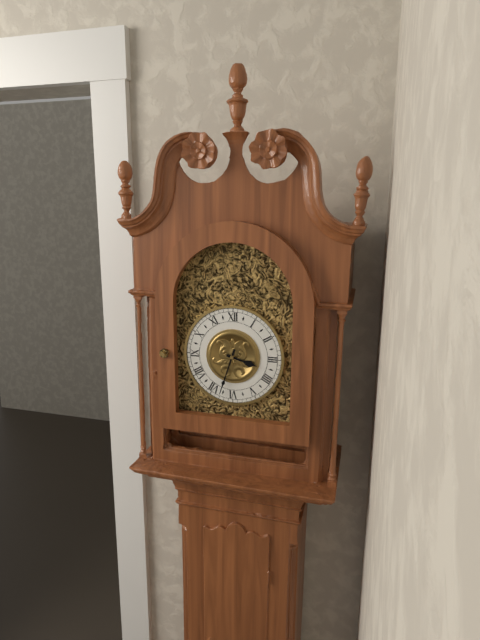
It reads h=3 m=33
